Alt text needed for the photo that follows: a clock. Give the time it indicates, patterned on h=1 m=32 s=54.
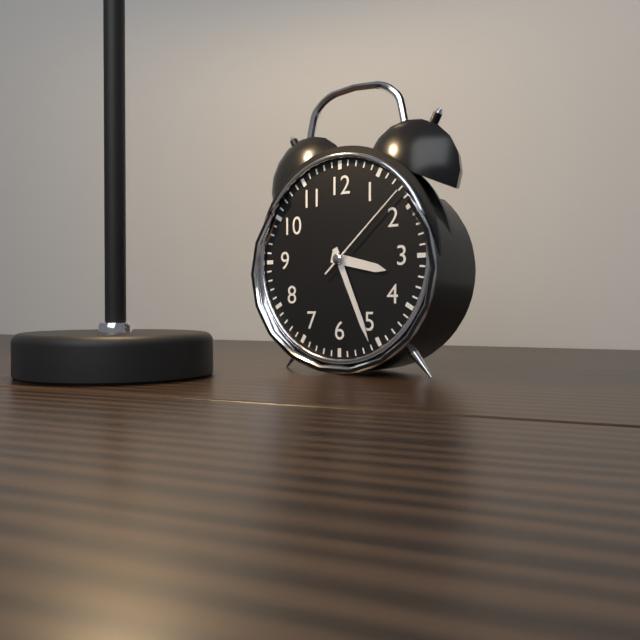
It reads h=3 m=26 s=8
